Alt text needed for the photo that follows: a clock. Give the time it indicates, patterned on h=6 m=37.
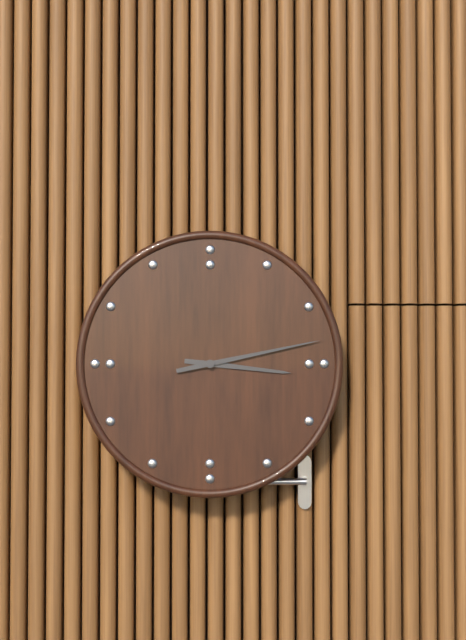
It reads h=3 m=13
